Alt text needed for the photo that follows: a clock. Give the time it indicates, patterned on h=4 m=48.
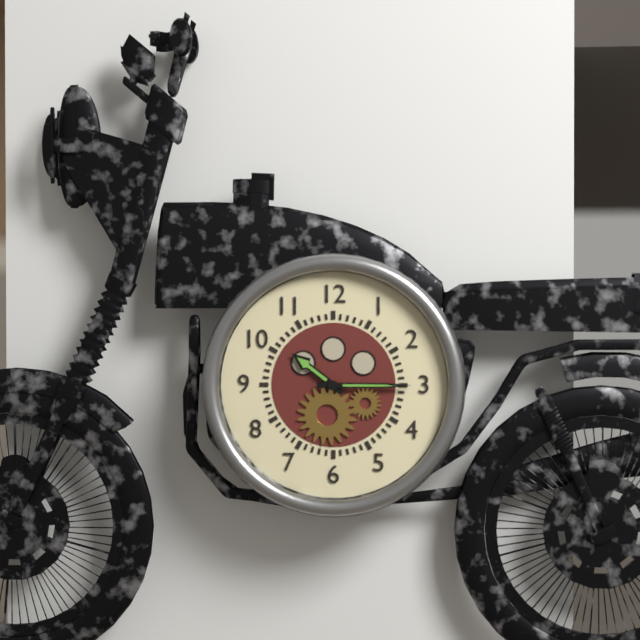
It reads h=10 m=15
